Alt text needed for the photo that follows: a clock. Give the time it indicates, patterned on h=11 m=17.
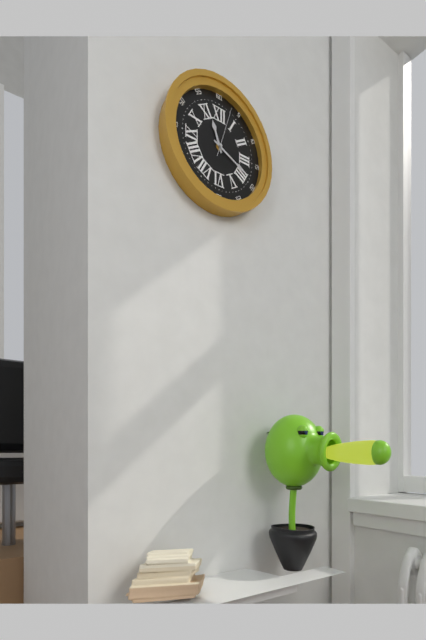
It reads h=11 m=19
